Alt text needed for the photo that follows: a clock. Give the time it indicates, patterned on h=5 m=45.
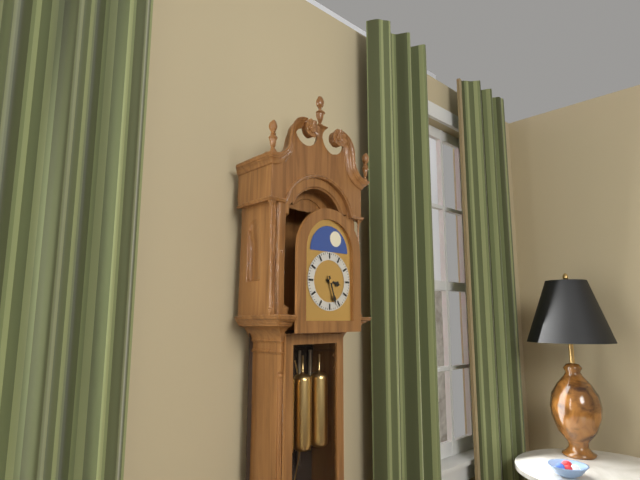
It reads h=3 m=27
